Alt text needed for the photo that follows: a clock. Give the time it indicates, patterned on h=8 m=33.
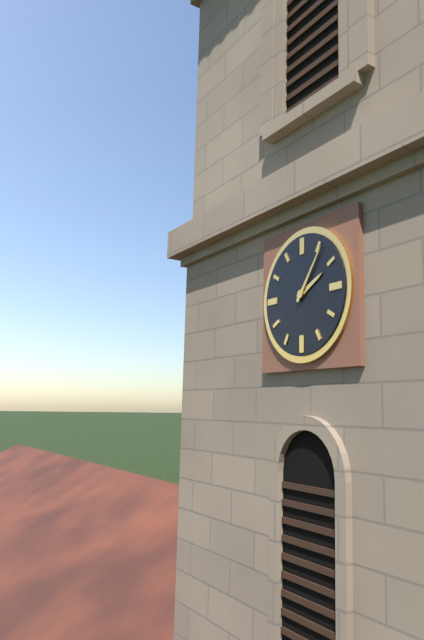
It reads h=2 m=6
